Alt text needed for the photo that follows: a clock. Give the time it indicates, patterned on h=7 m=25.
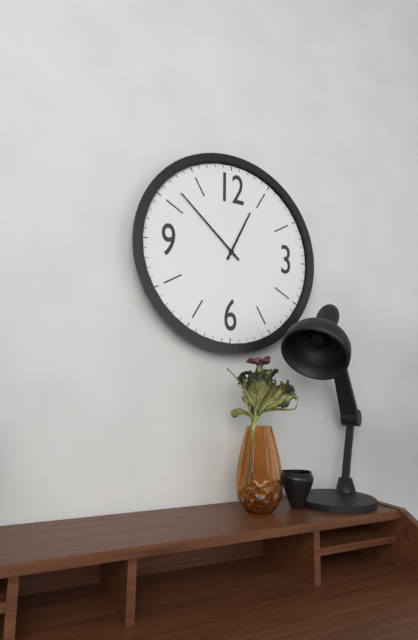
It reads h=12 m=52
